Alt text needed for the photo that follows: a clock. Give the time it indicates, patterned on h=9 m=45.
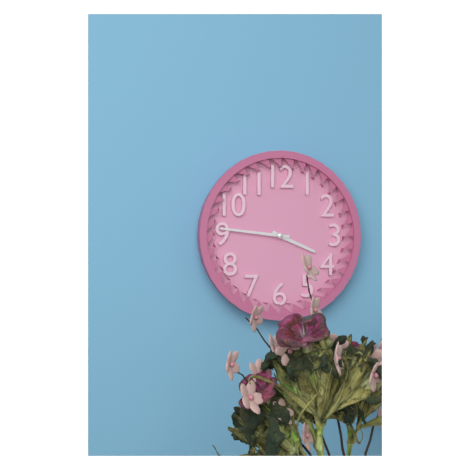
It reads h=3 m=46
